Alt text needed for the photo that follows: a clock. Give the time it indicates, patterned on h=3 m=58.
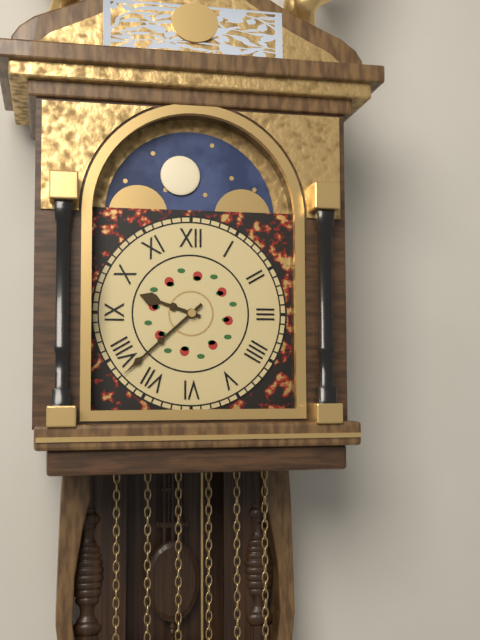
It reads h=9 m=38
